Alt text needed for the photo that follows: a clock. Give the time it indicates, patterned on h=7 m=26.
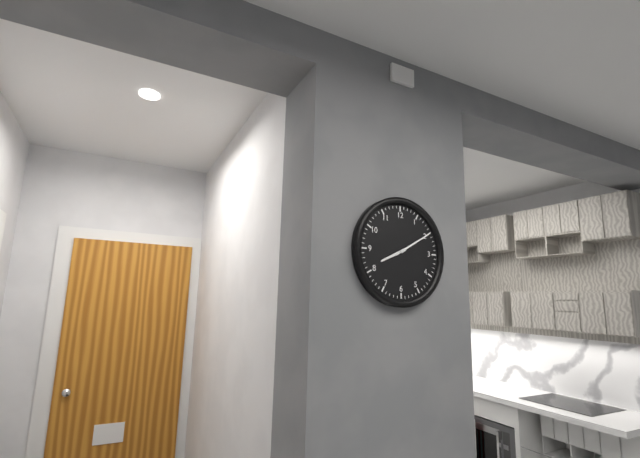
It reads h=8 m=10
